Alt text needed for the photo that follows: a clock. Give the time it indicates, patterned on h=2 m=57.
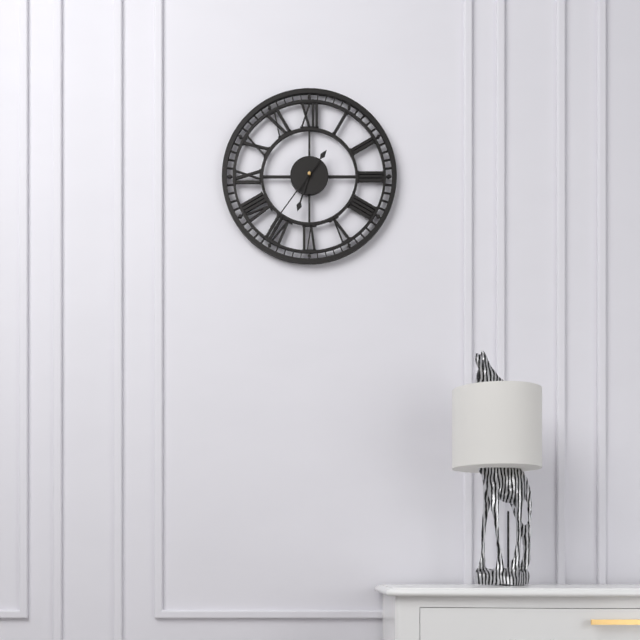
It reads h=6 m=36
